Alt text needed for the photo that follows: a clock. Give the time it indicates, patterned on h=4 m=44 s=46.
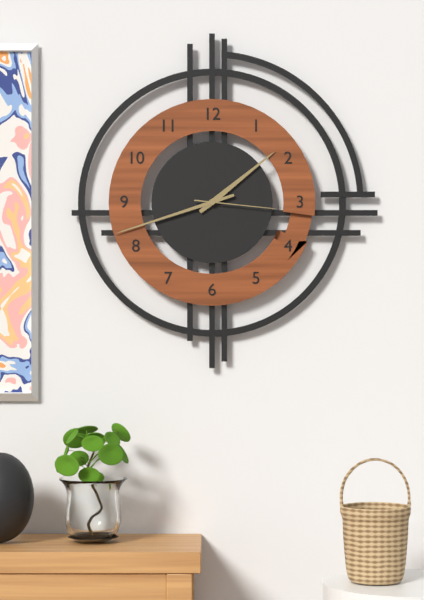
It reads h=1 m=42 s=16
